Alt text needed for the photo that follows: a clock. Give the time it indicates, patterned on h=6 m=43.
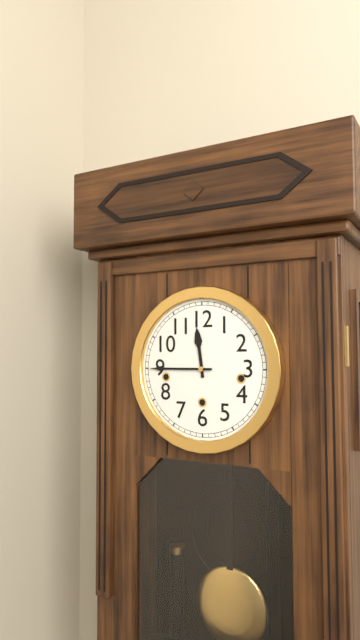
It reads h=11 m=45
